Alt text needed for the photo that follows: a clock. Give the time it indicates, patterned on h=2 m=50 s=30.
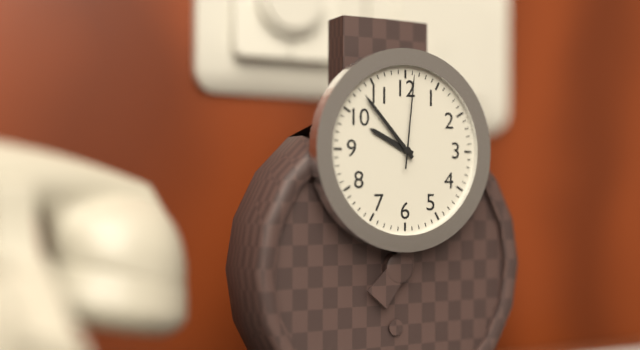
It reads h=9 m=53 s=1
